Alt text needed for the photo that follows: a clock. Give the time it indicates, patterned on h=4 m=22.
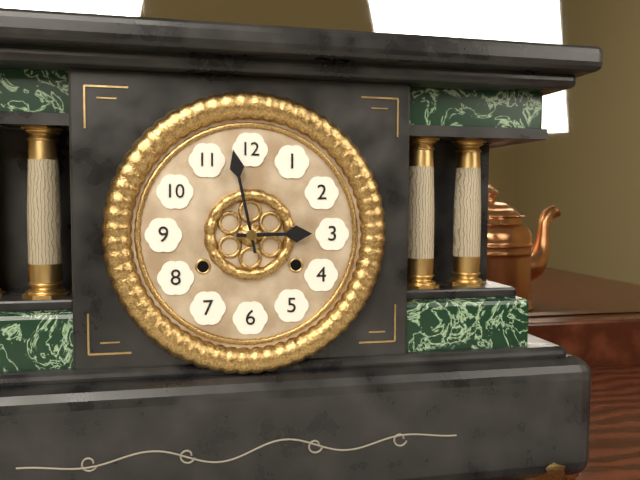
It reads h=2 m=58
